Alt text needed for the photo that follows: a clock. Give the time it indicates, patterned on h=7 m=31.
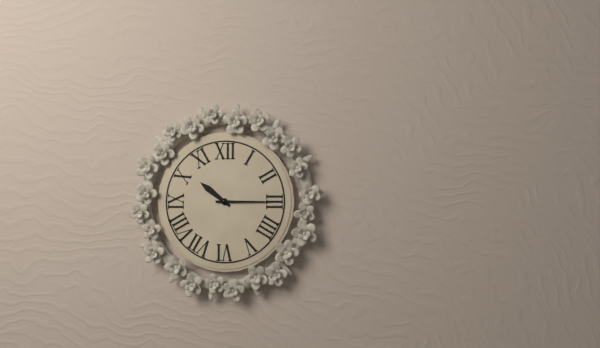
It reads h=10 m=15
